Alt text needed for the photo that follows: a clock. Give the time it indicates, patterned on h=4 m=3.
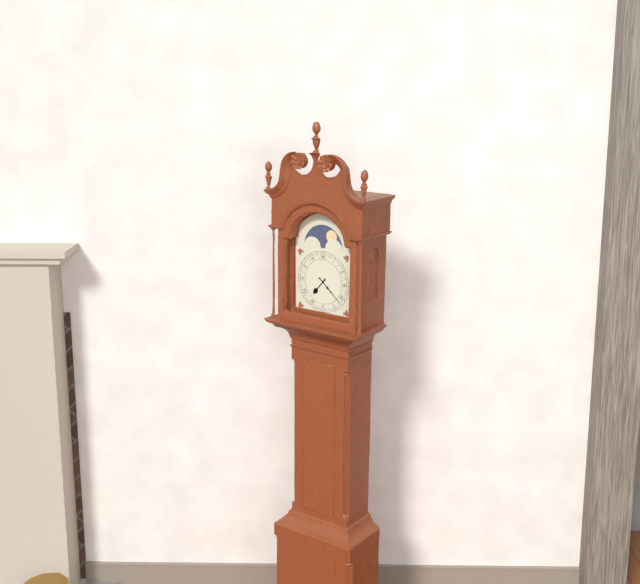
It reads h=7 m=22
